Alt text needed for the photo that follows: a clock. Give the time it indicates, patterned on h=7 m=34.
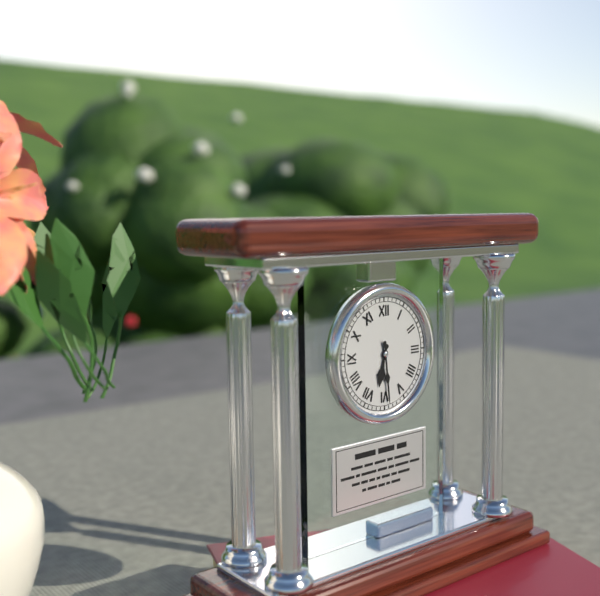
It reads h=6 m=29
